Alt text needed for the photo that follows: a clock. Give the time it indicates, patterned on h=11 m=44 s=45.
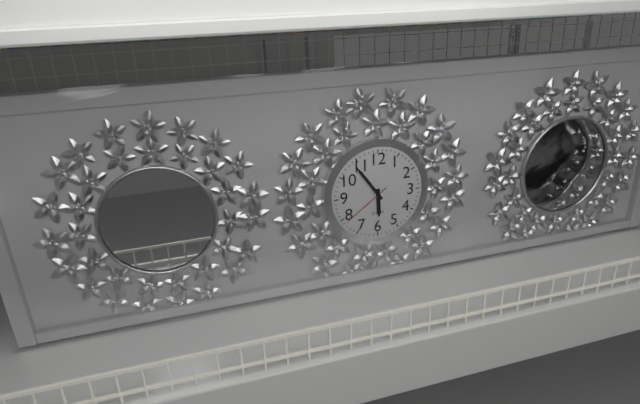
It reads h=5 m=54 s=39
